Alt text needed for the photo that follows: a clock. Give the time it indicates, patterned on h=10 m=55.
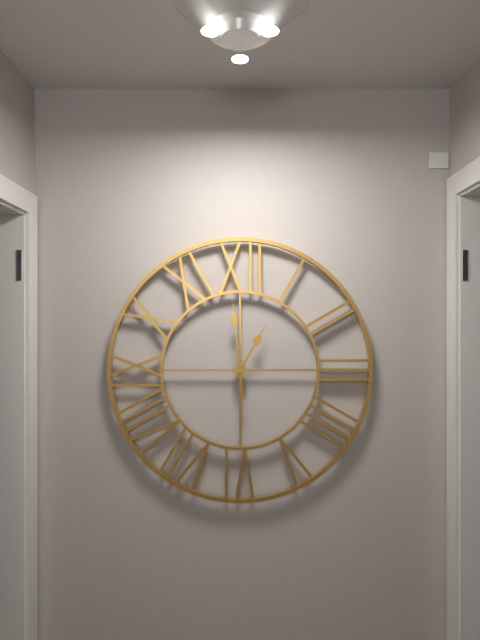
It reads h=12 m=59
